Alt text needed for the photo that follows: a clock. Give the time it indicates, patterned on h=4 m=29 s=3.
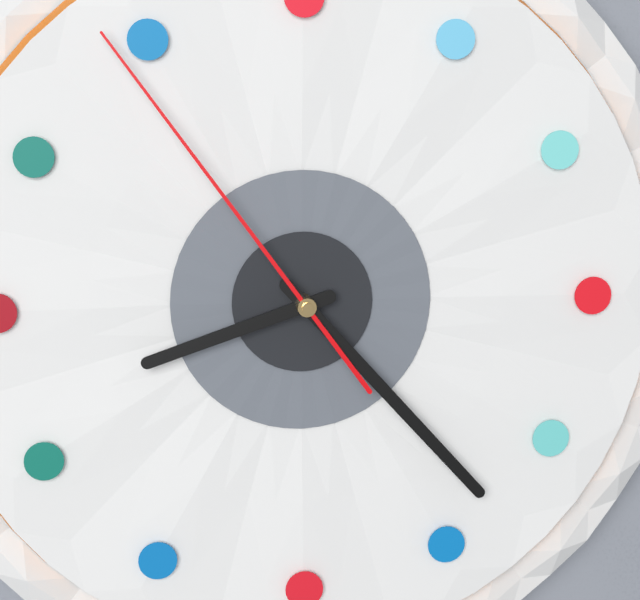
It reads h=8 m=23 s=54
